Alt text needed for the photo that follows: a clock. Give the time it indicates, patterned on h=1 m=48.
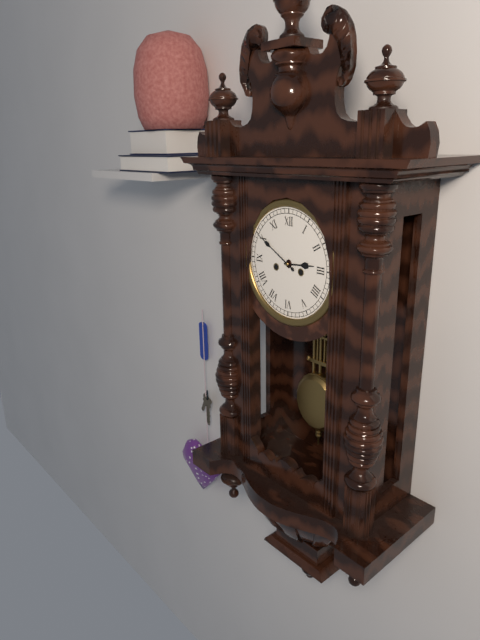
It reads h=2 m=50
